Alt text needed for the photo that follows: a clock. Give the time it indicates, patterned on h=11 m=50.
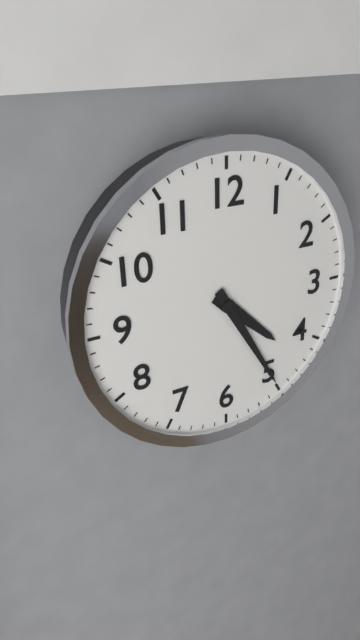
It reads h=4 m=25
